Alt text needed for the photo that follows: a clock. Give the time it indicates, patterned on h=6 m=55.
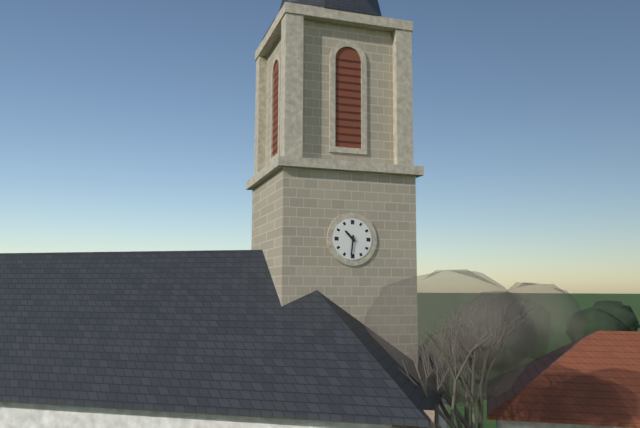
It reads h=10 m=31
